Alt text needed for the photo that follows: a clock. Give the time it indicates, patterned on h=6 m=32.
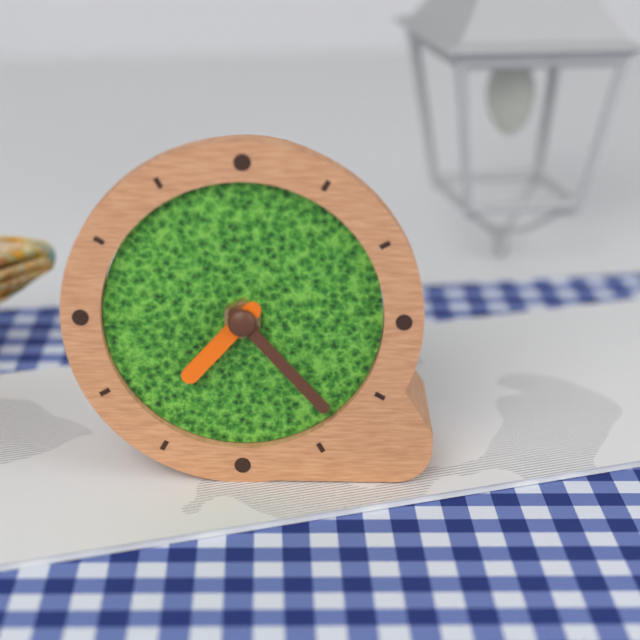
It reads h=7 m=23
